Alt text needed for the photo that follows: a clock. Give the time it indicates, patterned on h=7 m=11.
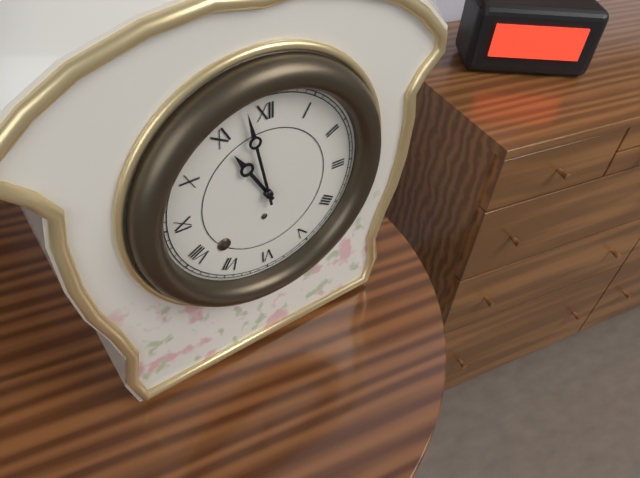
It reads h=10 m=58
